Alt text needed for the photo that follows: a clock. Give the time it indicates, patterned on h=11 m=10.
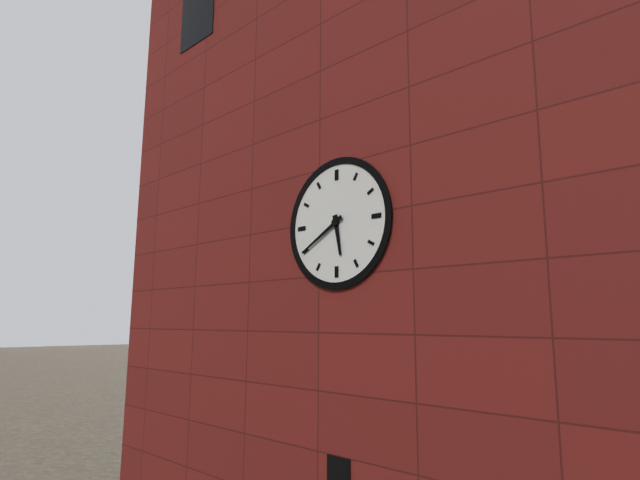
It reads h=5 m=40
